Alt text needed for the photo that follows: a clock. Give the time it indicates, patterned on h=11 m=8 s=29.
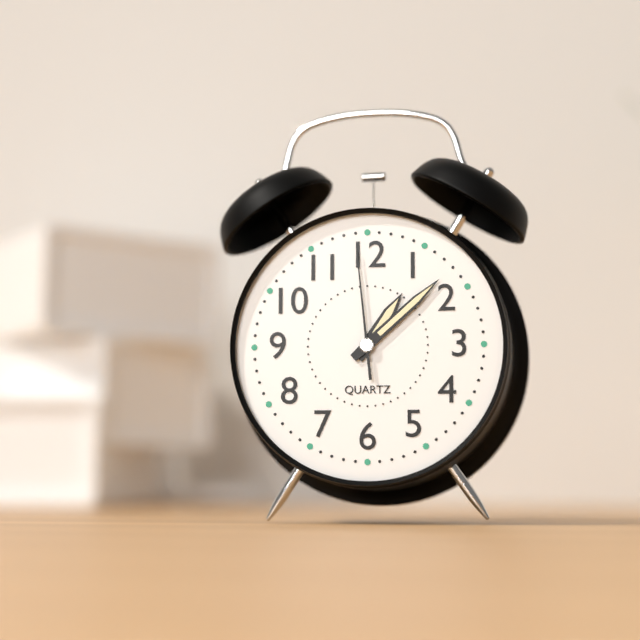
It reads h=1 m=8 s=59
